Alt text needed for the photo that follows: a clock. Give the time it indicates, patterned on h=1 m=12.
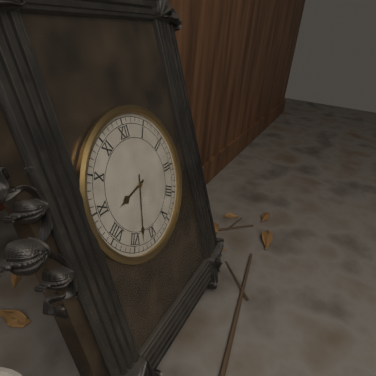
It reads h=8 m=33
